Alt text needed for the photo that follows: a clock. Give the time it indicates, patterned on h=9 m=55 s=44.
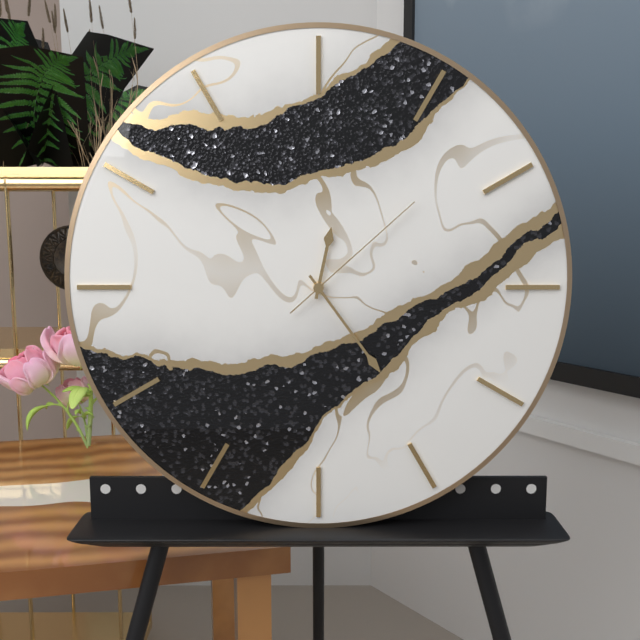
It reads h=12 m=24 s=8
